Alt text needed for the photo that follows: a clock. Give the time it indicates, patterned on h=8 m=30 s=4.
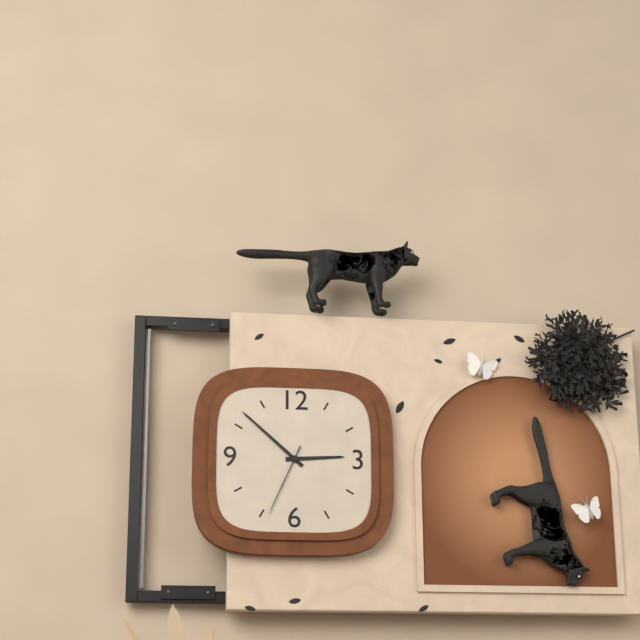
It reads h=2 m=52 s=34
